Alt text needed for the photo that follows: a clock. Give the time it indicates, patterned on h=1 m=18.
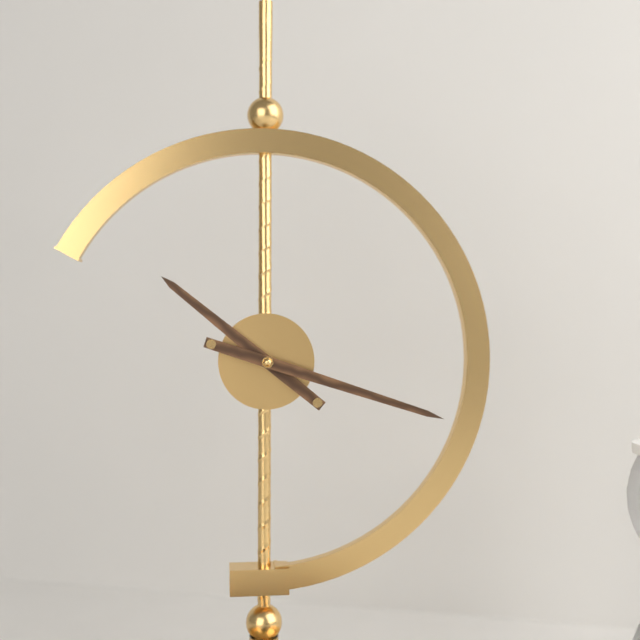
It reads h=10 m=18
